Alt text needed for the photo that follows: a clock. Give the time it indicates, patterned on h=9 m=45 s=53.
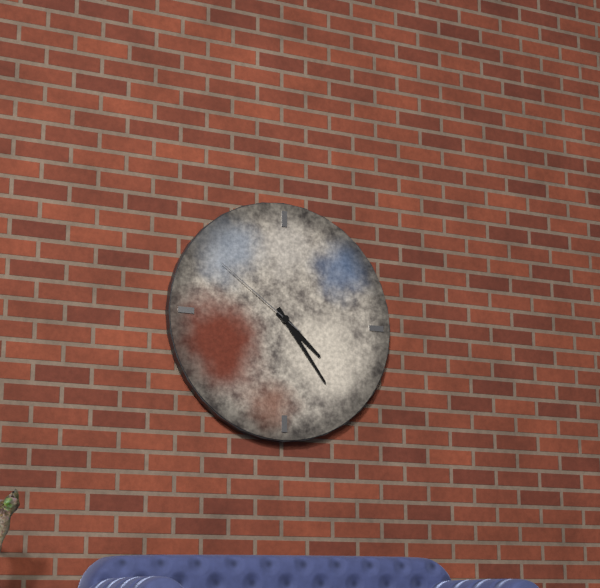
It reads h=4 m=24 s=51
